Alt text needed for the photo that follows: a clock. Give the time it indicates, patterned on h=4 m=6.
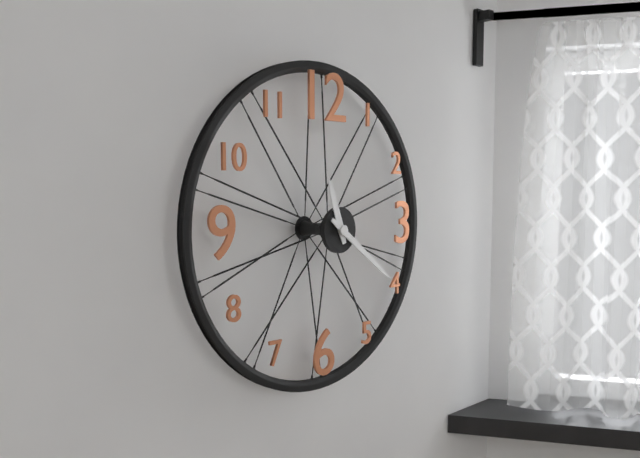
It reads h=11 m=21
